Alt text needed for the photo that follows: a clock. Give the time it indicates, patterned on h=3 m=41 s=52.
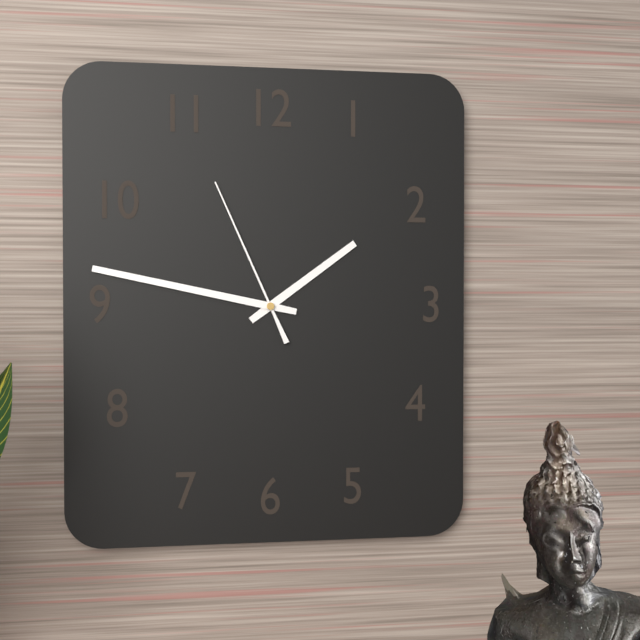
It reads h=1 m=47 s=56
